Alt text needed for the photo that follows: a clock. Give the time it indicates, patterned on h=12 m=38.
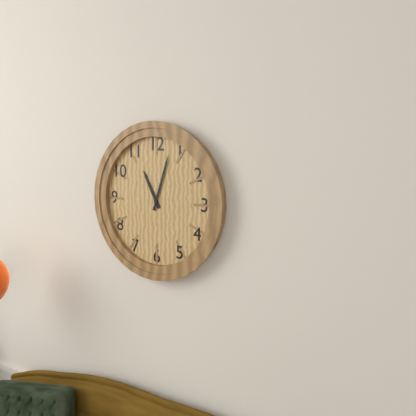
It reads h=11 m=3
